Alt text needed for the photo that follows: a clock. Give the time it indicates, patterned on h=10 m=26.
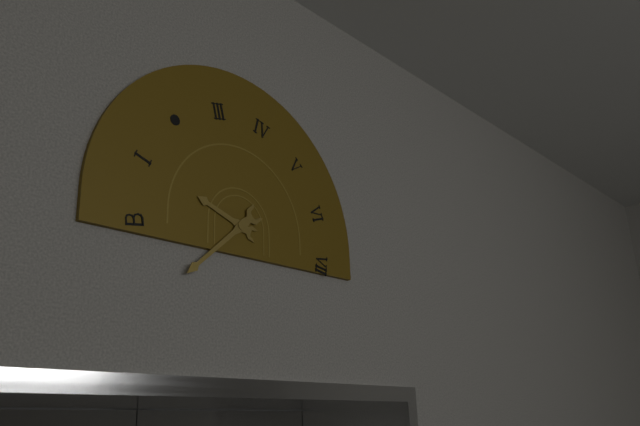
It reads h=9 m=38
